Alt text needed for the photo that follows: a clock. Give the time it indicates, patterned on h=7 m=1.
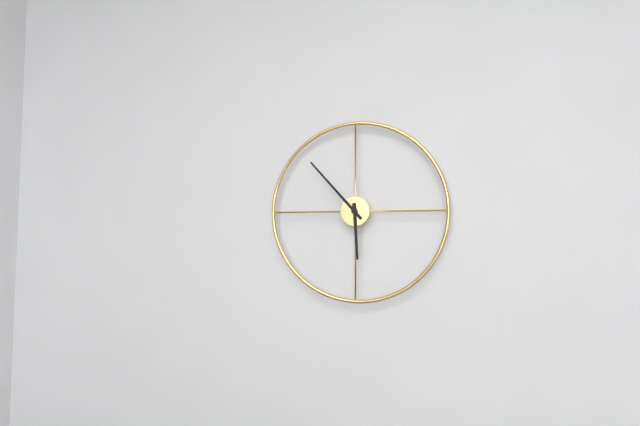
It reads h=5 m=53
